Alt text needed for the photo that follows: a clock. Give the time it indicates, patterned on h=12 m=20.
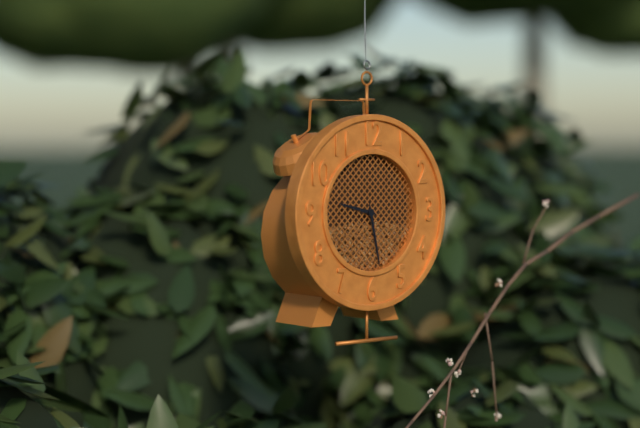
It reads h=9 m=28
